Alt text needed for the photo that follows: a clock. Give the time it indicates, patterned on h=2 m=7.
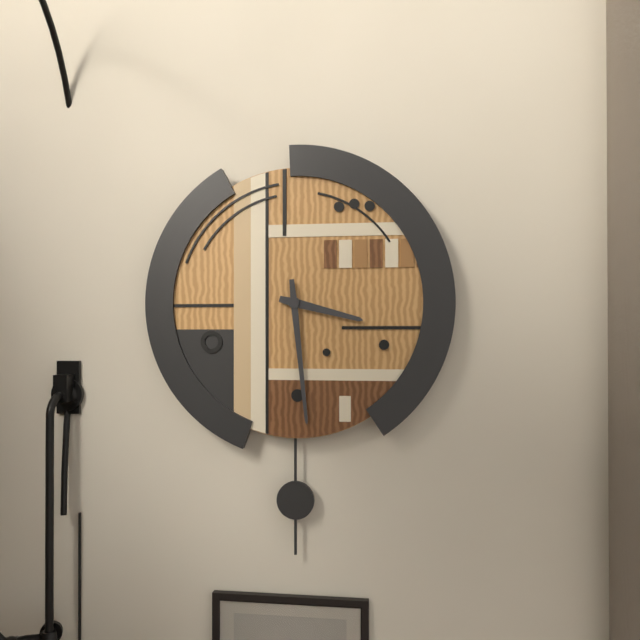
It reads h=3 m=29
